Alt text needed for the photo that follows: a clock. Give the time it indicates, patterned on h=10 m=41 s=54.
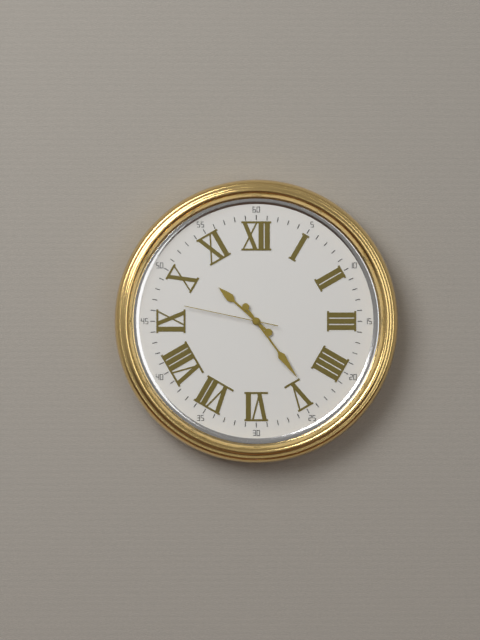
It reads h=10 m=24 s=47
